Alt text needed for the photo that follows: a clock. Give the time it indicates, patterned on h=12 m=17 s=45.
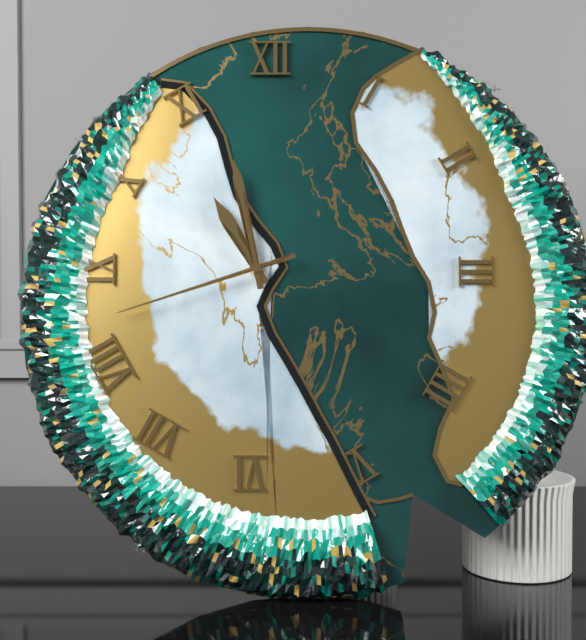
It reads h=10 m=58 s=42
